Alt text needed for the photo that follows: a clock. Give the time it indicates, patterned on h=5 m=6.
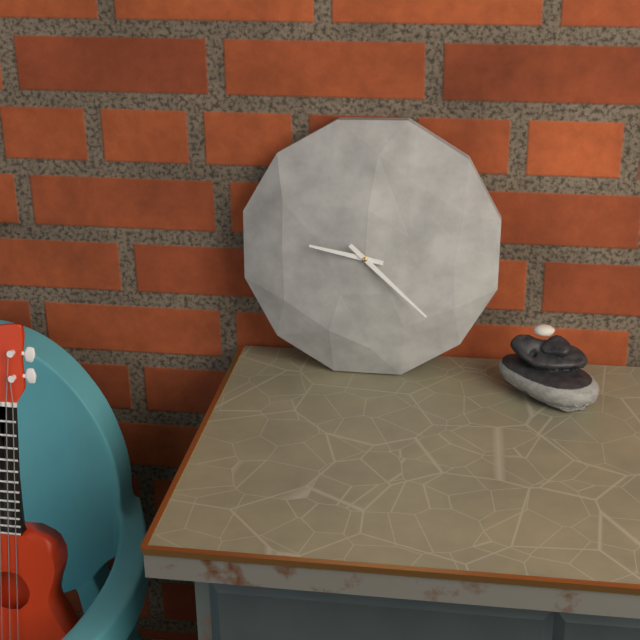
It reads h=9 m=22
